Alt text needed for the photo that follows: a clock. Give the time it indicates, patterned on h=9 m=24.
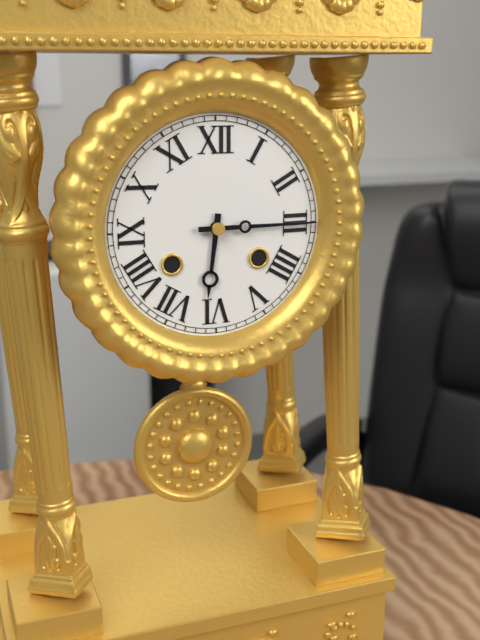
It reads h=6 m=15
